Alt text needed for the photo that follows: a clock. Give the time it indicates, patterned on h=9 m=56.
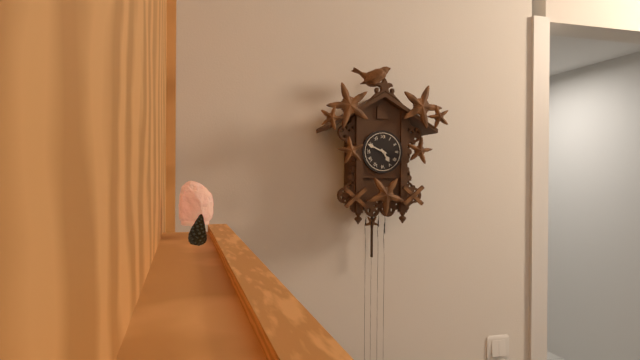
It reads h=4 m=49
